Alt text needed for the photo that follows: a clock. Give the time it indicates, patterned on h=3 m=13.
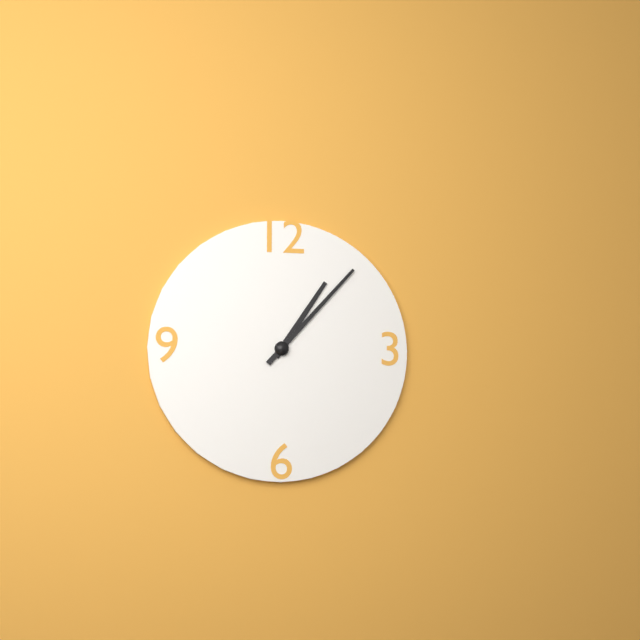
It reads h=1 m=7
